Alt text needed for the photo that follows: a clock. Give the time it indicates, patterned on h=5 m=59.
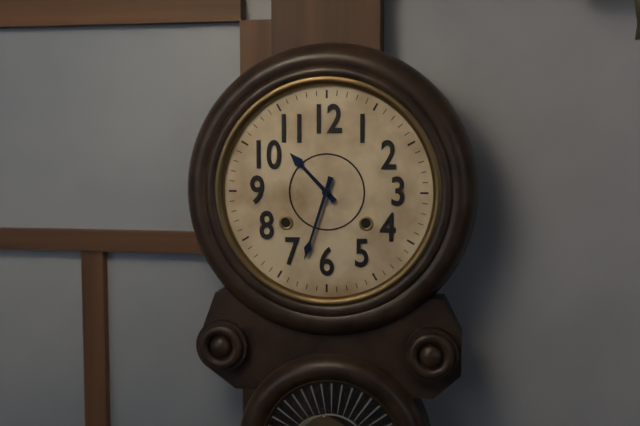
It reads h=10 m=33
